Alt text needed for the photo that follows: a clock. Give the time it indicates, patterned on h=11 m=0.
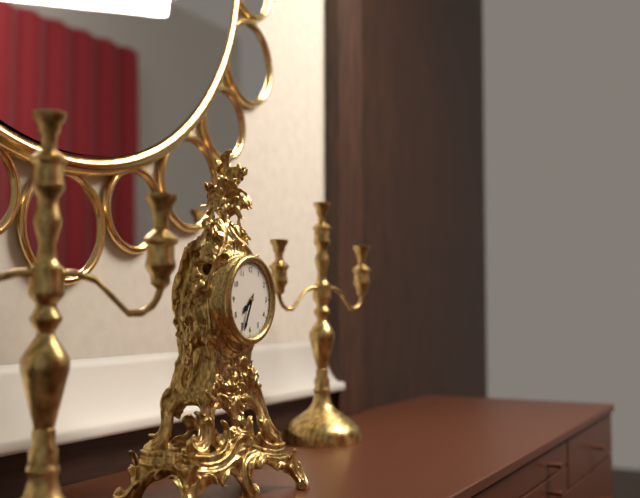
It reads h=7 m=34
